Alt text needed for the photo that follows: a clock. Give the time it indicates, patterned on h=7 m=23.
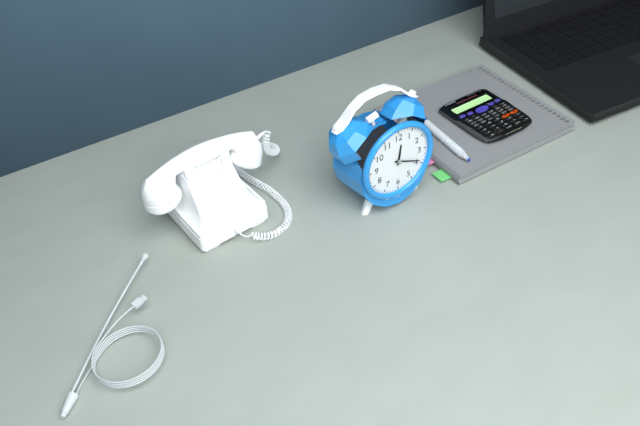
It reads h=12 m=19
